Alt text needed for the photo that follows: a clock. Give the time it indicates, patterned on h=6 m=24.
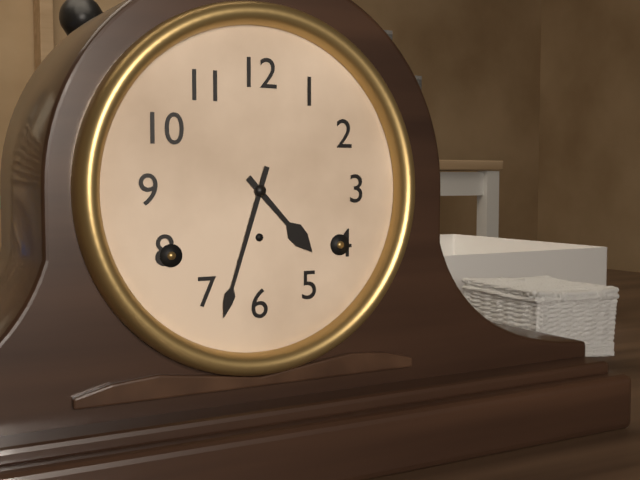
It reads h=4 m=33
